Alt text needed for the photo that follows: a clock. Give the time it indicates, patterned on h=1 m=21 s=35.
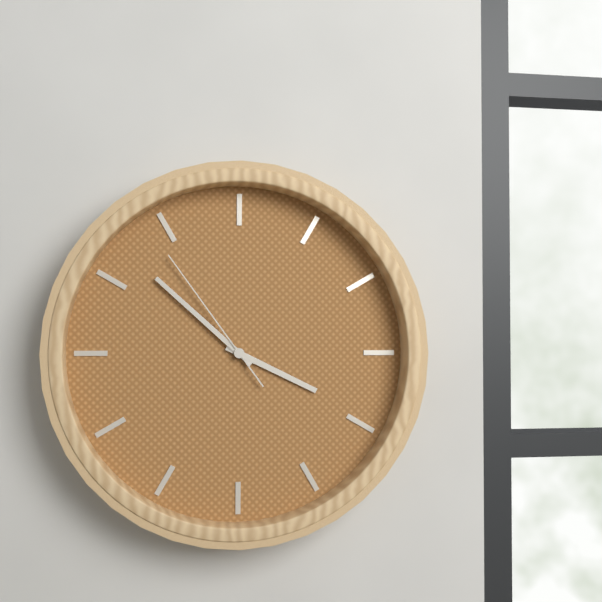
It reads h=3 m=52 s=54
